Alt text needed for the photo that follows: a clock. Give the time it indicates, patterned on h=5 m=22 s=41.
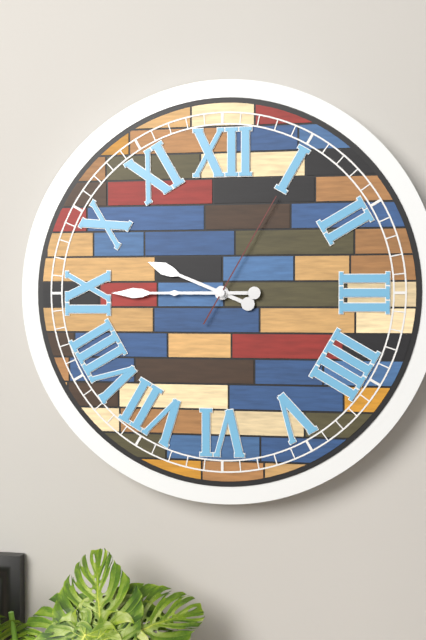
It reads h=9 m=45 s=5
